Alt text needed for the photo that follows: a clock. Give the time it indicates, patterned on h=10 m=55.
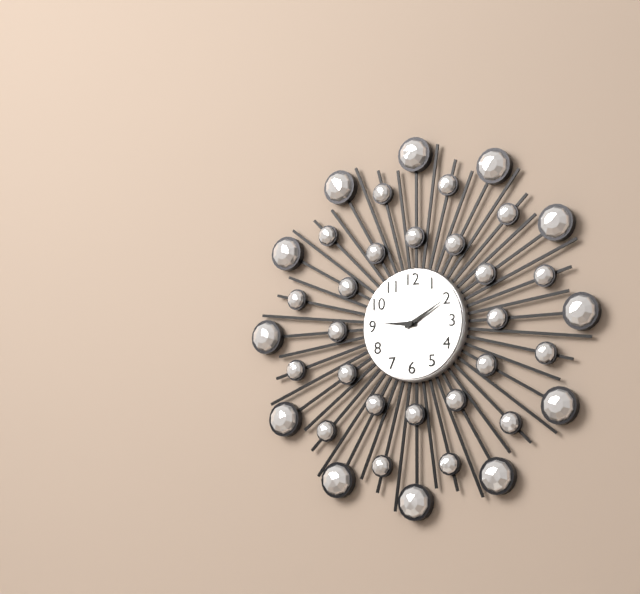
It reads h=9 m=10
